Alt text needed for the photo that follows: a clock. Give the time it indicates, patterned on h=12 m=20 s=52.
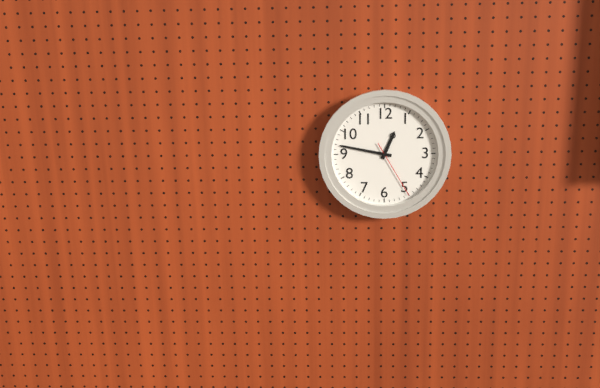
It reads h=12 m=47 s=25
